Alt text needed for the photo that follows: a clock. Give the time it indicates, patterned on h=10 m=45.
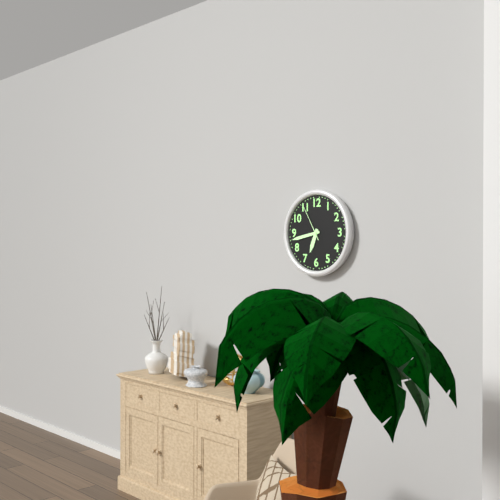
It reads h=6 m=43
